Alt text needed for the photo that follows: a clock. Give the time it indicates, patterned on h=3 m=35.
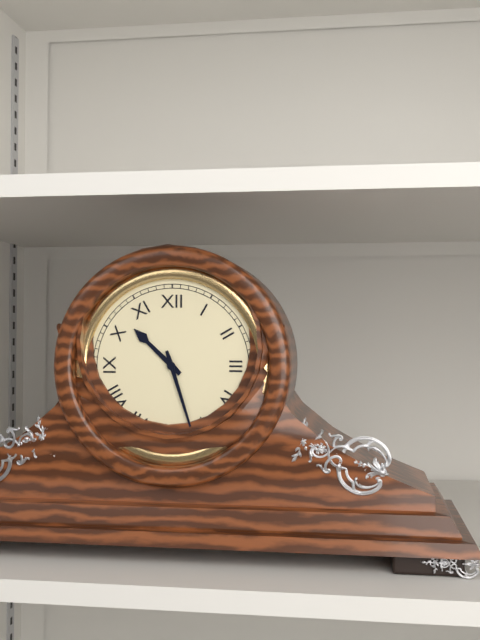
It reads h=10 m=27
